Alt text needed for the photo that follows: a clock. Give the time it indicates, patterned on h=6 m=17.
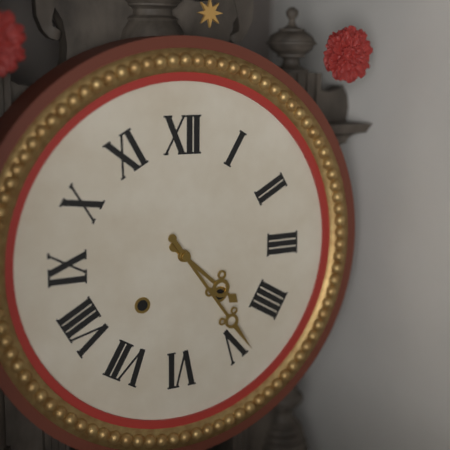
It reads h=4 m=24
